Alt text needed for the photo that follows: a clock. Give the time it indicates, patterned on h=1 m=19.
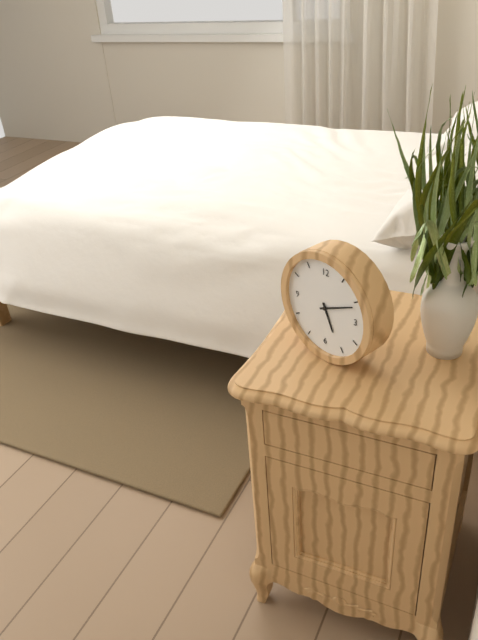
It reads h=5 m=11
